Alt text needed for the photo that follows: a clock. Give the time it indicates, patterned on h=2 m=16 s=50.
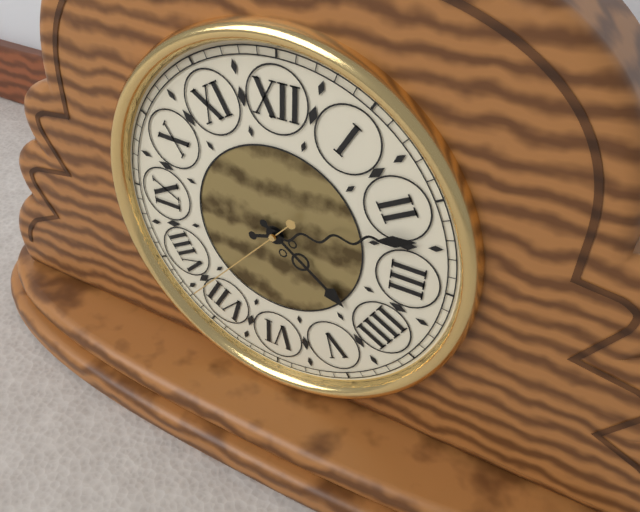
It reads h=4 m=12 s=37
